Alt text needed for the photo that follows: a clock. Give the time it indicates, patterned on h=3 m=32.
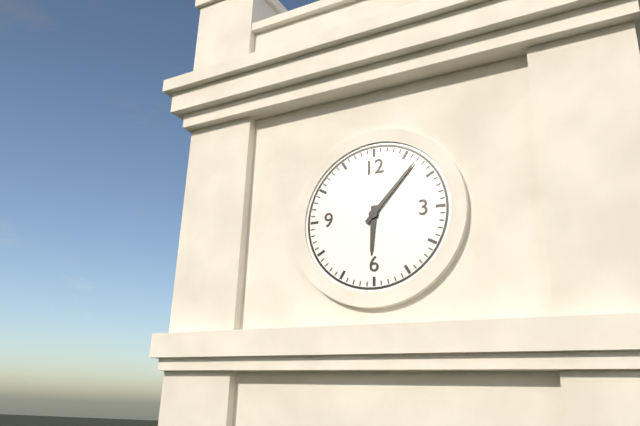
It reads h=6 m=7
